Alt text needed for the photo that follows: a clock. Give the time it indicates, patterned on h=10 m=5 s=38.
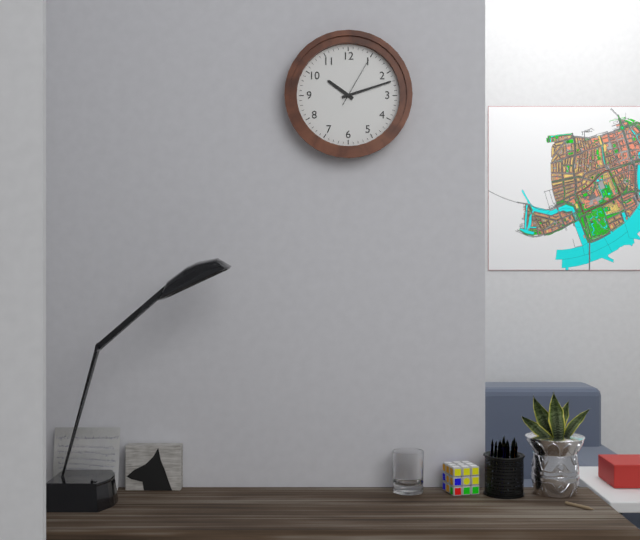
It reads h=10 m=12 s=5
